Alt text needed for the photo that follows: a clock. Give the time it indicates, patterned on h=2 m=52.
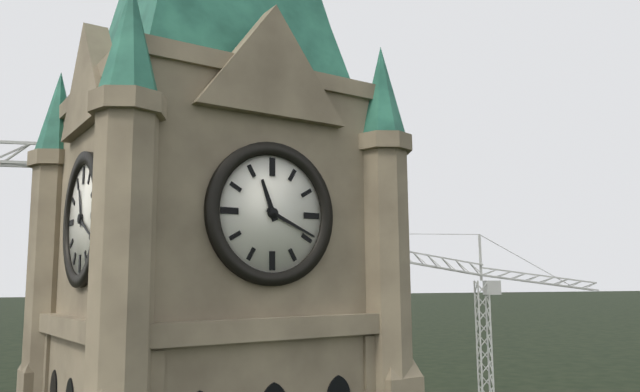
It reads h=11 m=19
